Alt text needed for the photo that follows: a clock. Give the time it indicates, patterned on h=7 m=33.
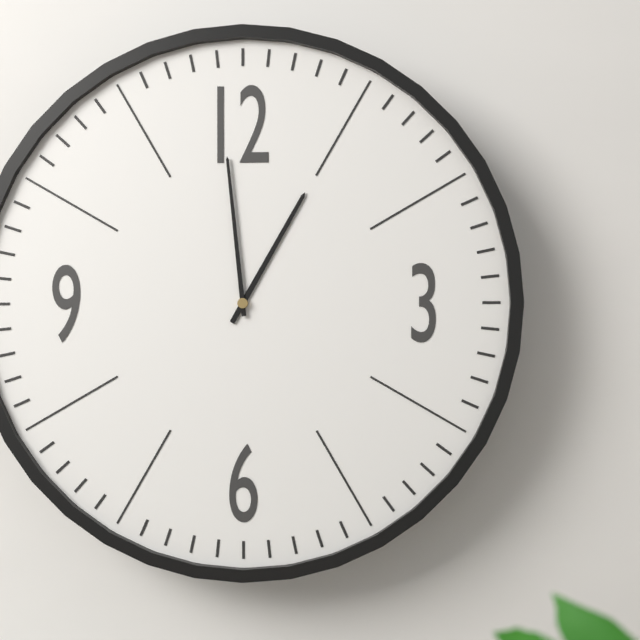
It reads h=12 m=59
